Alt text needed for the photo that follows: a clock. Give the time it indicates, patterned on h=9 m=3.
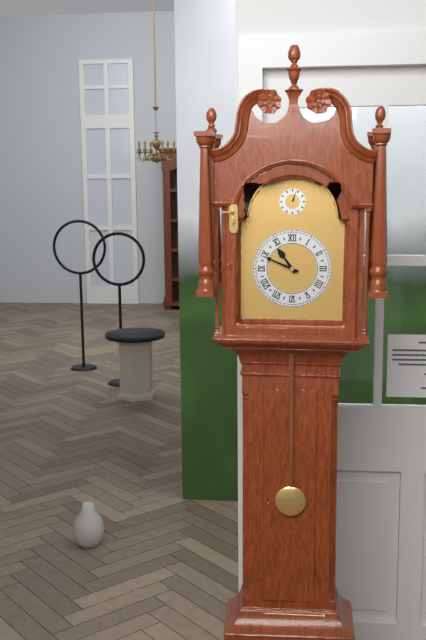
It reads h=10 m=49
